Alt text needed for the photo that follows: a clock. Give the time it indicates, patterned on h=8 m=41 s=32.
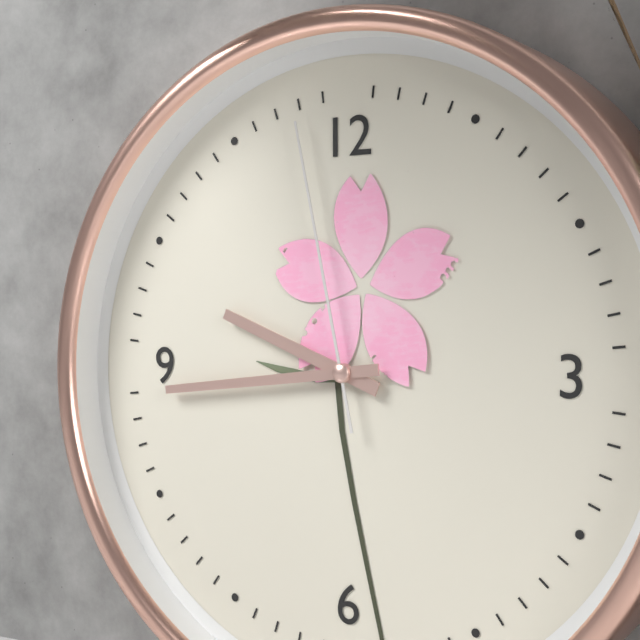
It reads h=9 m=44 s=58
